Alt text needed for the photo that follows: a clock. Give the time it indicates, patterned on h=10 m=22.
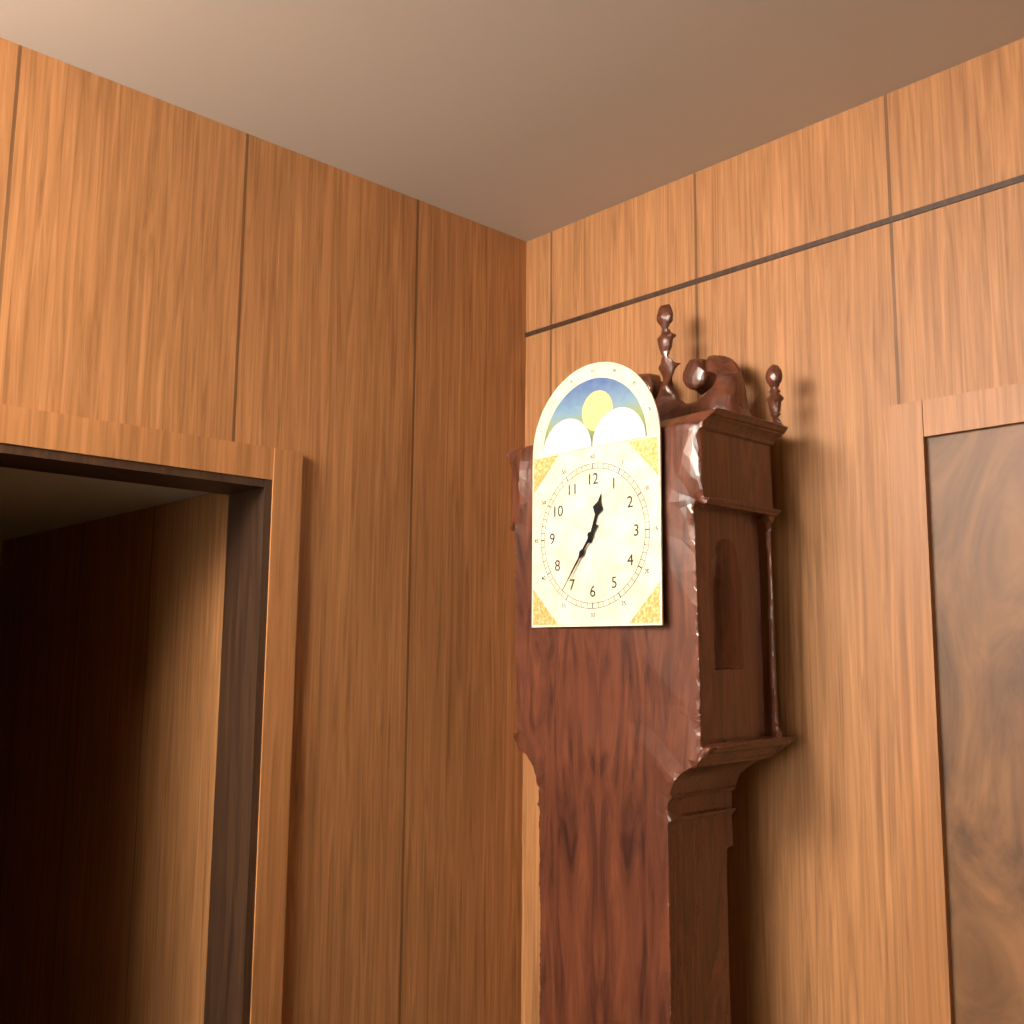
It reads h=12 m=36
